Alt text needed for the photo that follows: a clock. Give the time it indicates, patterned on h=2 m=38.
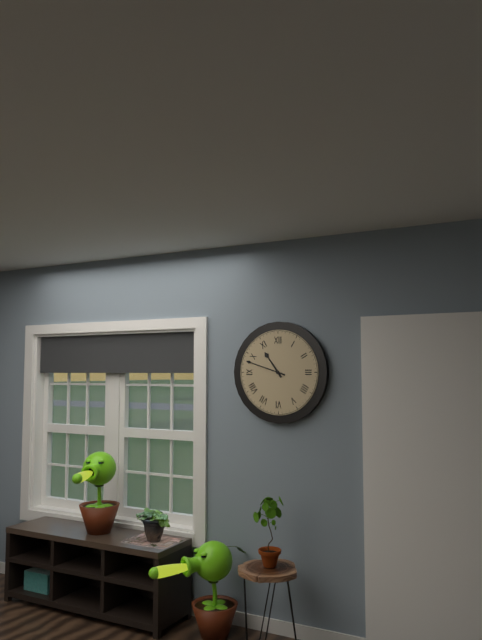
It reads h=10 m=48
